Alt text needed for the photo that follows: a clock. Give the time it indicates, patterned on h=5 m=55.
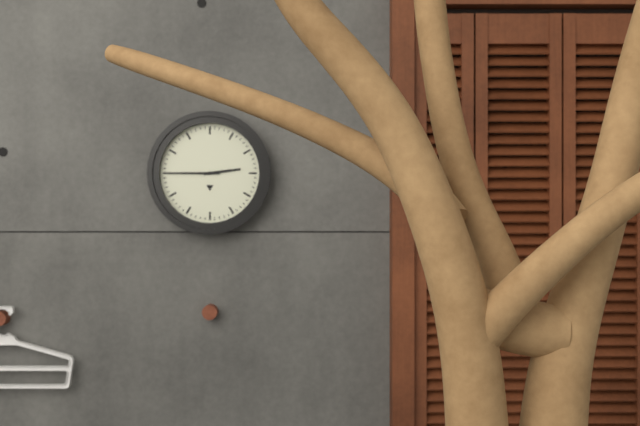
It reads h=2 m=45
